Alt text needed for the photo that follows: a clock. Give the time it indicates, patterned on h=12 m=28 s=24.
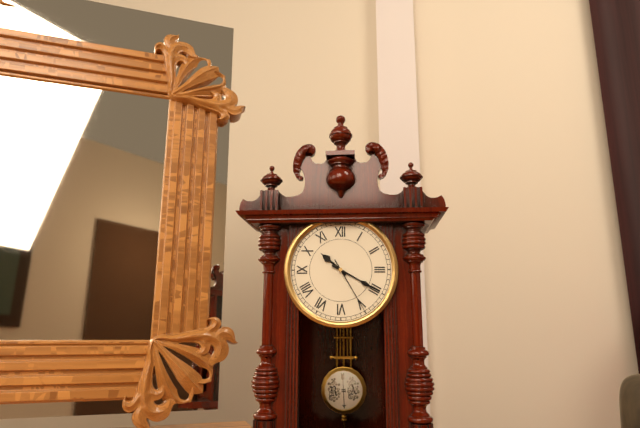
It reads h=10 m=20 s=25
